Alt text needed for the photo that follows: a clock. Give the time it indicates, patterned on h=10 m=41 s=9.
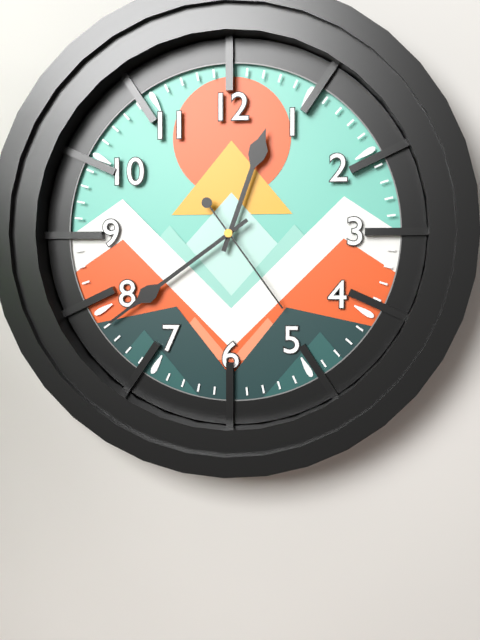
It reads h=12 m=39 s=24
